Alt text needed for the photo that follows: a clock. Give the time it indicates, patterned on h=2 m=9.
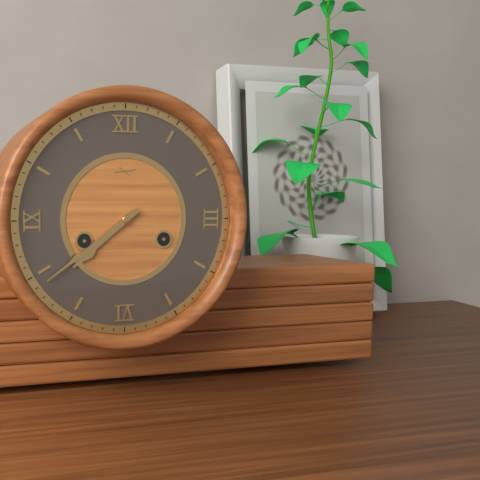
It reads h=7 m=39
